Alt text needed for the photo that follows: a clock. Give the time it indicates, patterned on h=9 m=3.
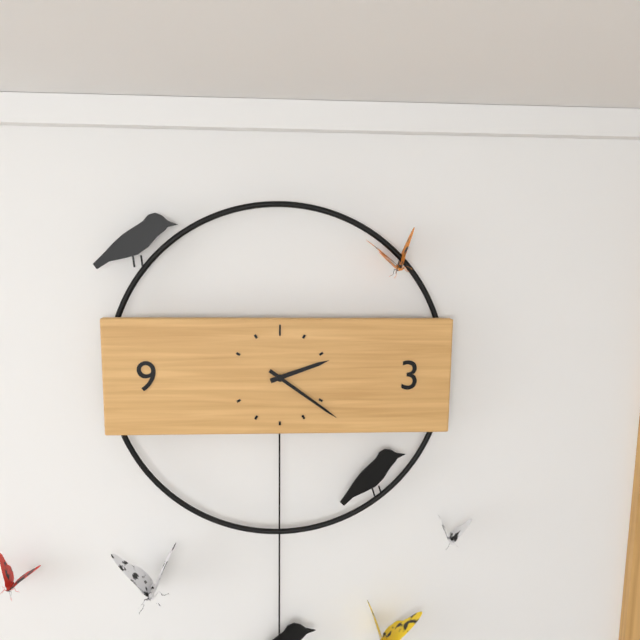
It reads h=2 m=21
